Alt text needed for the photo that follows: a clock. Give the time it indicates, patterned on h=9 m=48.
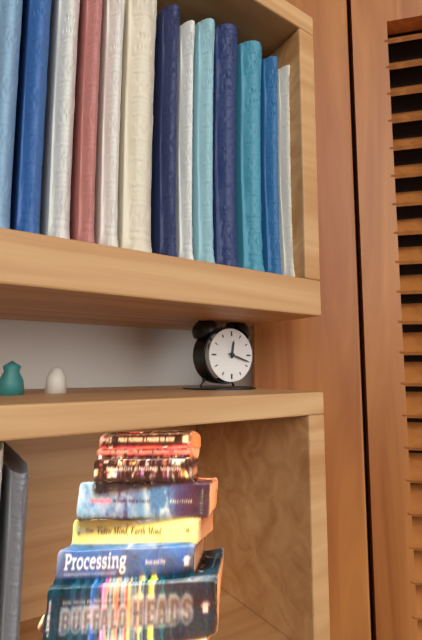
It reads h=12 m=18
